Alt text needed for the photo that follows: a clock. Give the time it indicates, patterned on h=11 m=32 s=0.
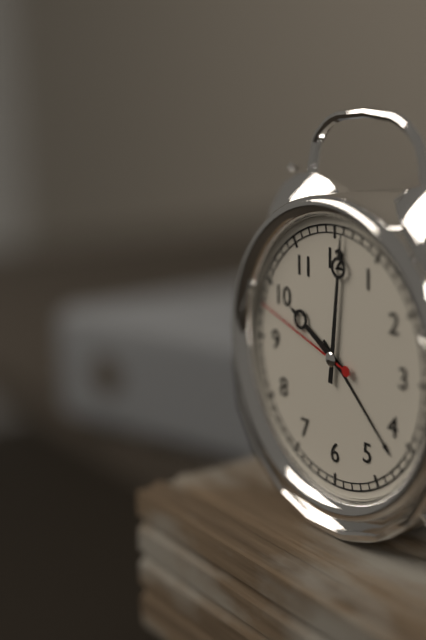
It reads h=10 m=1 s=48
